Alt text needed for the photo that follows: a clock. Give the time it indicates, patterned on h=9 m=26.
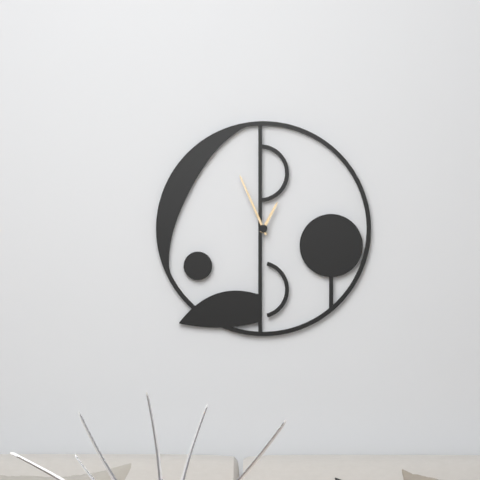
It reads h=12 m=56
